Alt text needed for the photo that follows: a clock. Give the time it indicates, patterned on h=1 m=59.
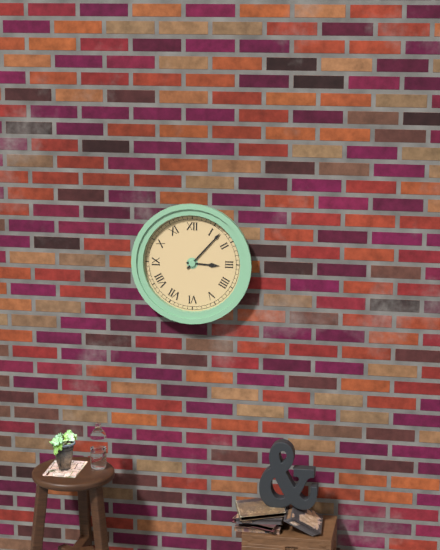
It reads h=3 m=7
